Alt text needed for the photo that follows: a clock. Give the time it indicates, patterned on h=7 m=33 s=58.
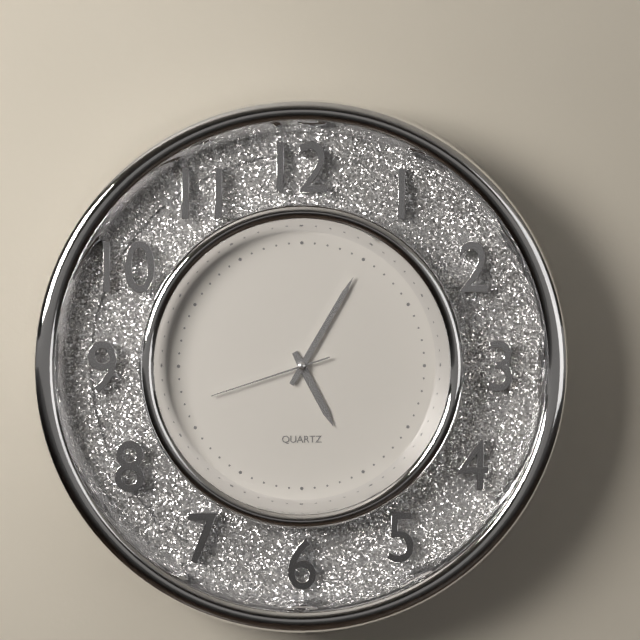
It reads h=5 m=5 s=42
